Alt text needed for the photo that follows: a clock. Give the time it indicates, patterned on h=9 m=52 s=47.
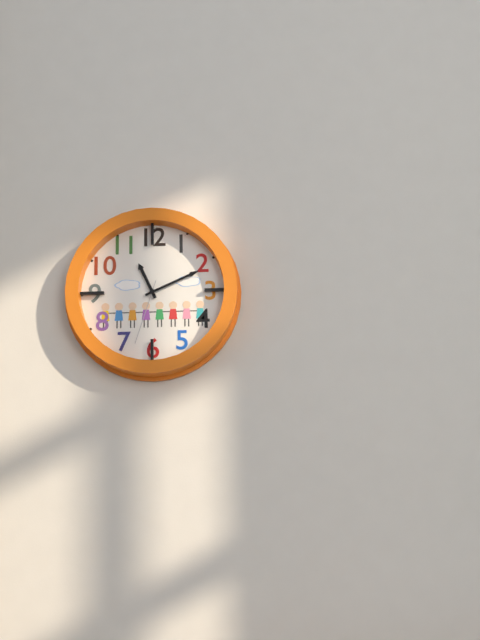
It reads h=11 m=11 s=33
